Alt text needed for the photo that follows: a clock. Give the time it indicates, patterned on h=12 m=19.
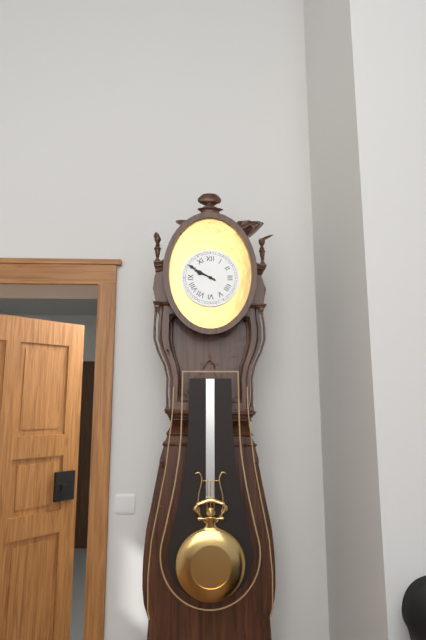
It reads h=9 m=50
